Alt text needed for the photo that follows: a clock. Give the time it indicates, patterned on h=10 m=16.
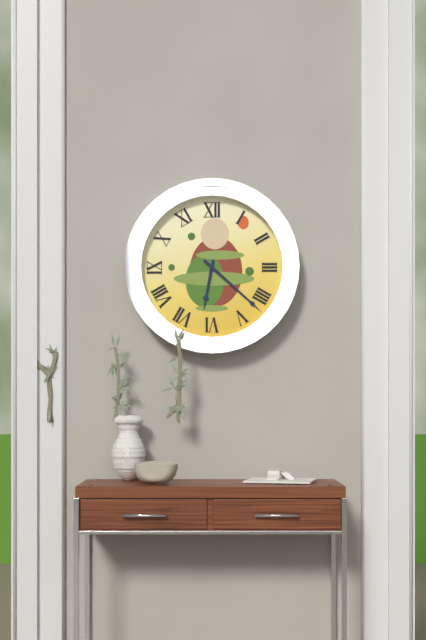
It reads h=6 m=22
